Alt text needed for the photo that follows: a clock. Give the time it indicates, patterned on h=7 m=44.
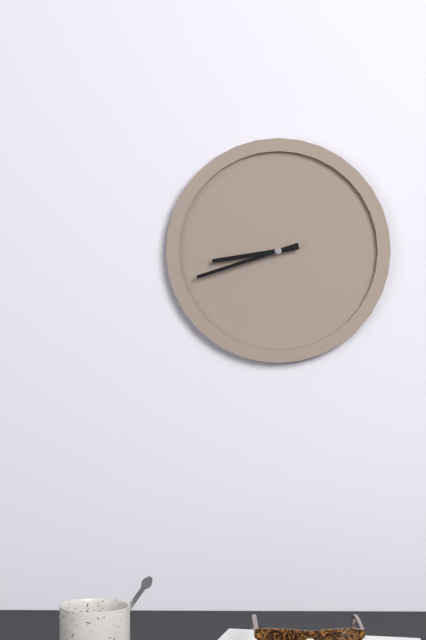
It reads h=8 m=42
